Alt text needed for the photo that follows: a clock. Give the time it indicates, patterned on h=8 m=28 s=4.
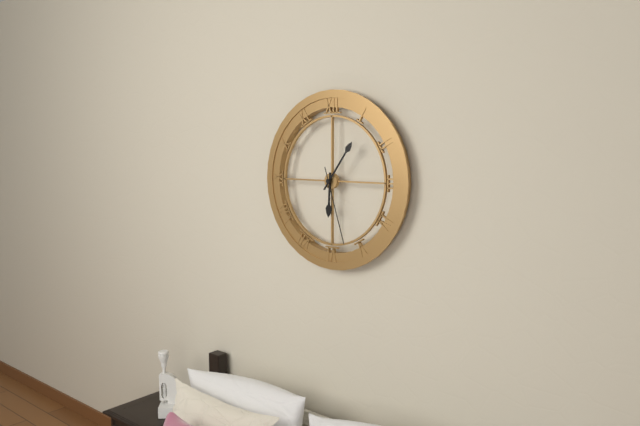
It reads h=6 m=6 s=27
